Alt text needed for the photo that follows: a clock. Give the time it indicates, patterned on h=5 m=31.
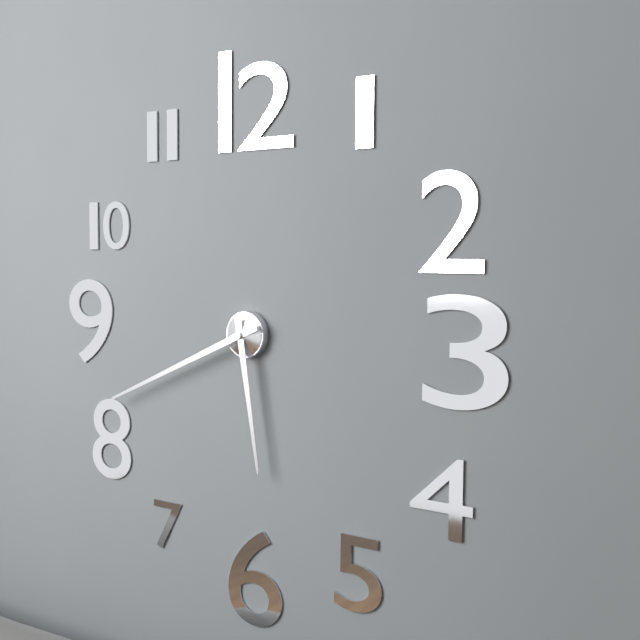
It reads h=5 m=41
